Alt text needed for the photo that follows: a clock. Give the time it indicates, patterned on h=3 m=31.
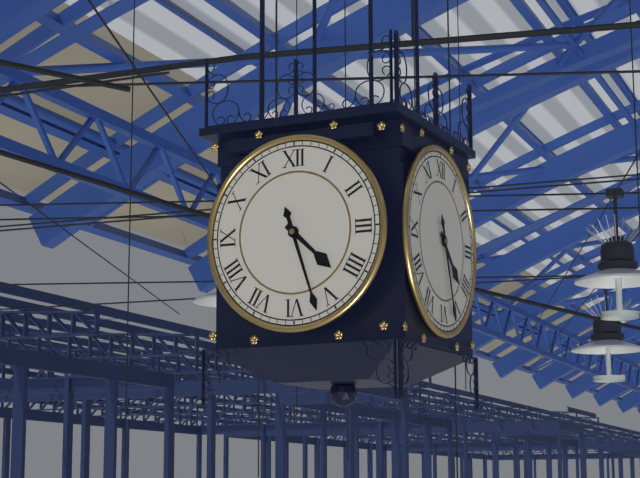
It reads h=4 m=27
